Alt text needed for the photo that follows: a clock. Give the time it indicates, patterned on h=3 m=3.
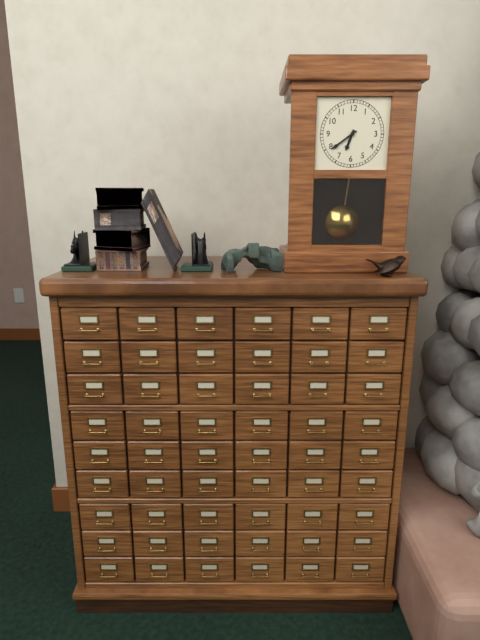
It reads h=6 m=39
